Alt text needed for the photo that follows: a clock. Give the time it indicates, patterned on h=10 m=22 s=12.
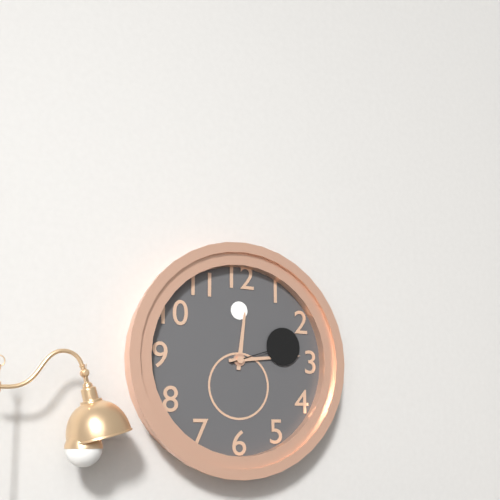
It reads h=12 m=14 s=12
